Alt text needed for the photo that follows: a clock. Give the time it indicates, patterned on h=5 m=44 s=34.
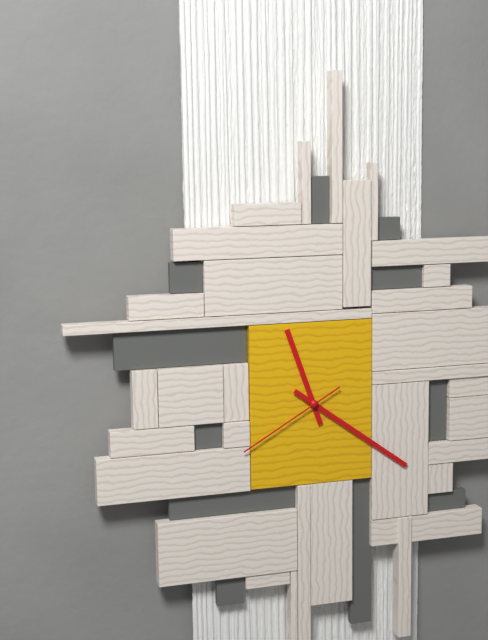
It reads h=11 m=21 s=40
